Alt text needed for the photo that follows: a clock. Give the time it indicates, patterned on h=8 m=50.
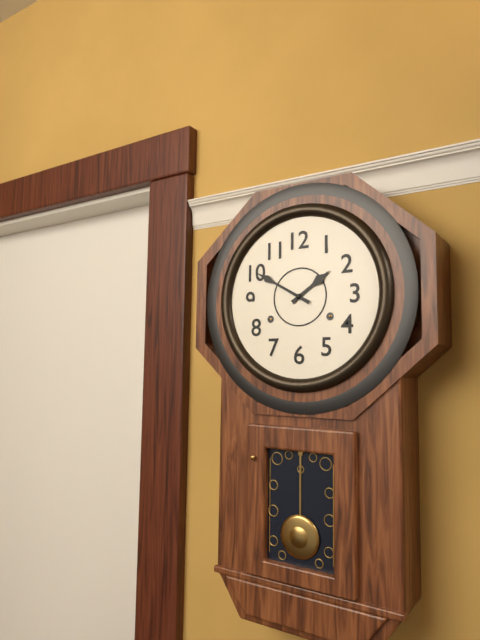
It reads h=1 m=50
